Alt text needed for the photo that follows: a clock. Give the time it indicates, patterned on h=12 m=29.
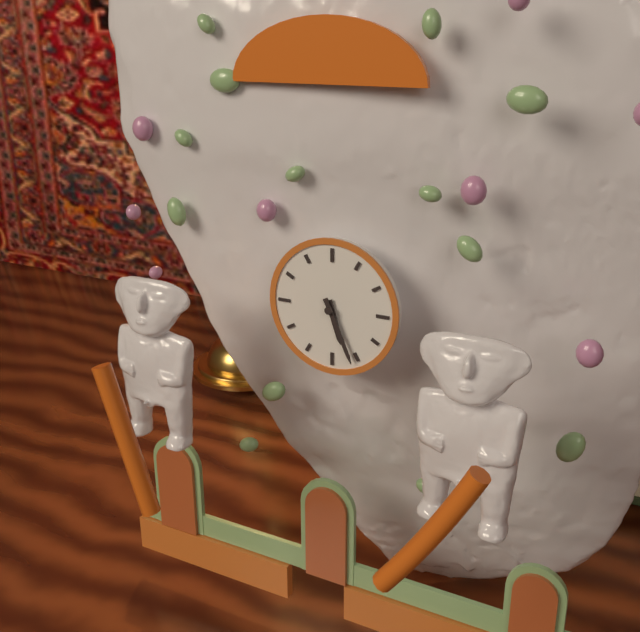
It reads h=5 m=26
